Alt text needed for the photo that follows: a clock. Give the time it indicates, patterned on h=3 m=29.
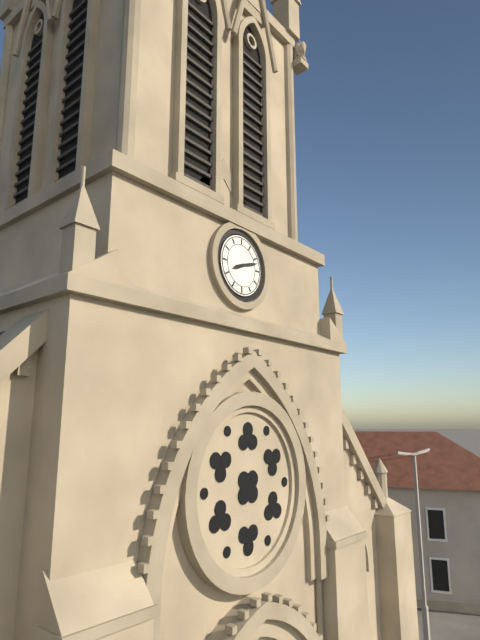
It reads h=8 m=12
